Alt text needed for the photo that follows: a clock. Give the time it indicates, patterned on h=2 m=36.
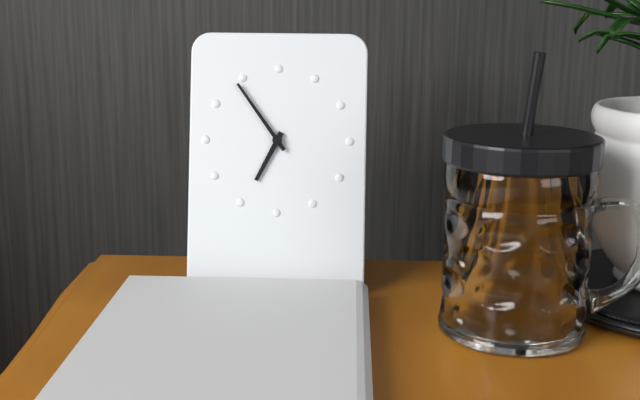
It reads h=6 m=54
